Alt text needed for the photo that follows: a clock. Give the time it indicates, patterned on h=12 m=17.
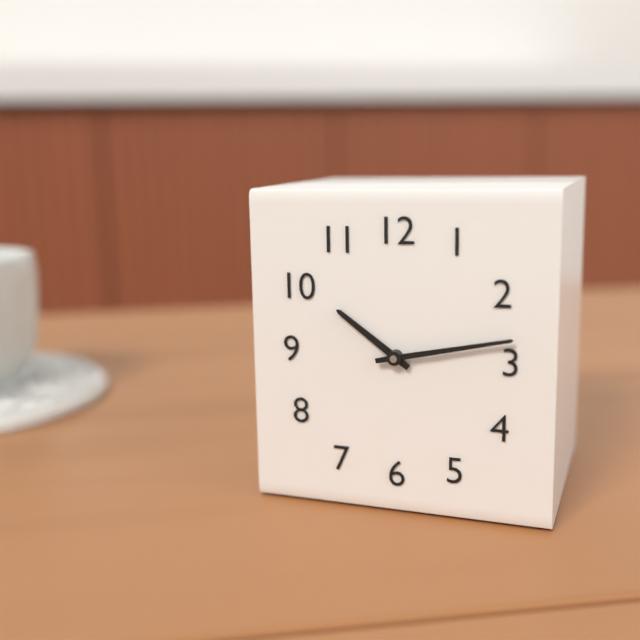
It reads h=10 m=13
